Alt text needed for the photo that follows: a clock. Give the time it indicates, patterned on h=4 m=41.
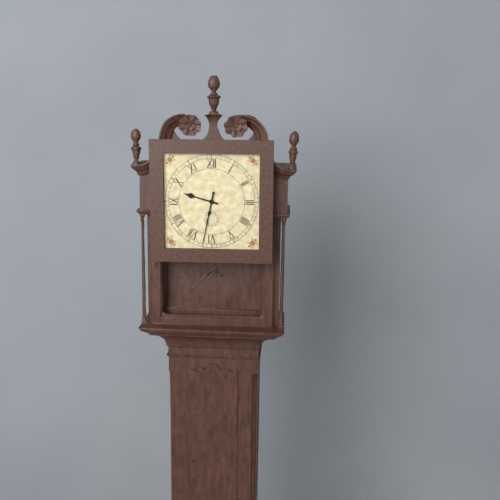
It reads h=9 m=32
